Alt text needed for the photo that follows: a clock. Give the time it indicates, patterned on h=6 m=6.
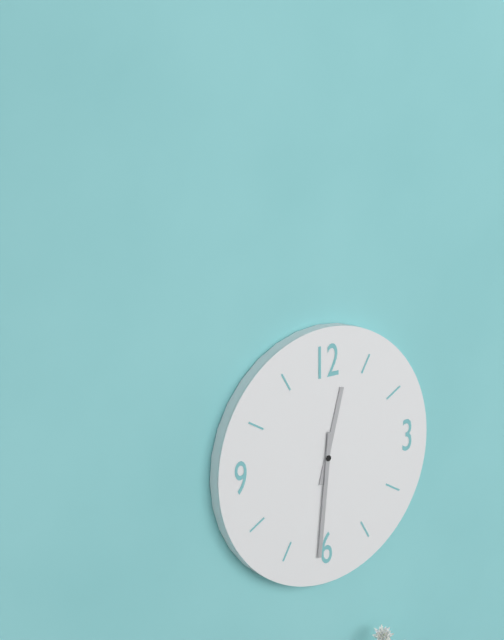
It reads h=12 m=31
